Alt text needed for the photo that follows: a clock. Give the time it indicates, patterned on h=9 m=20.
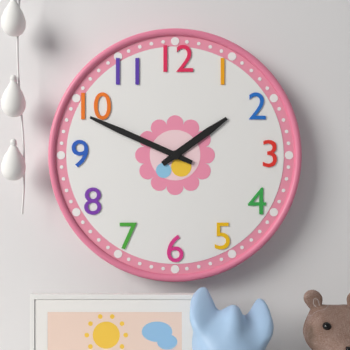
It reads h=1 m=49
